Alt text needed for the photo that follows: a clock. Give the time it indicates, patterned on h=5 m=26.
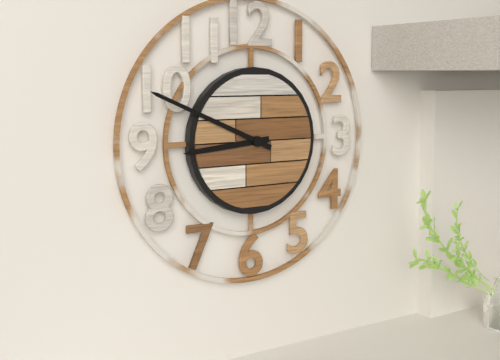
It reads h=8 m=49
